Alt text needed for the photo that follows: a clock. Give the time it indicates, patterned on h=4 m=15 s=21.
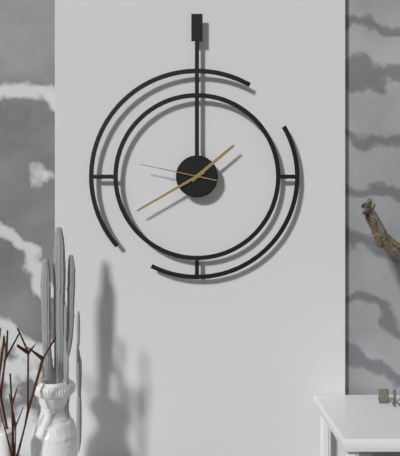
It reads h=1 m=40 s=47
